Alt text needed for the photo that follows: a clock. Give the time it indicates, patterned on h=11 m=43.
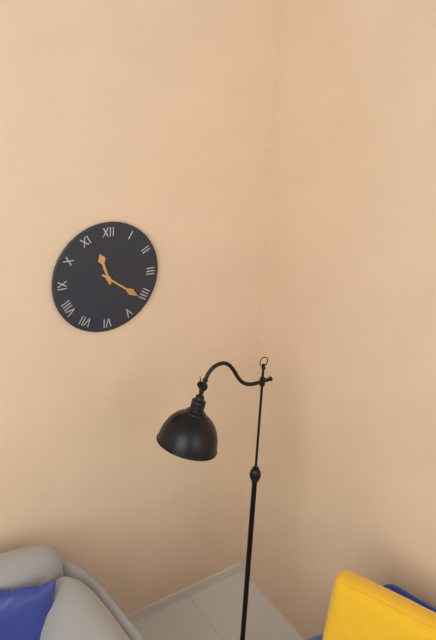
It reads h=11 m=21
